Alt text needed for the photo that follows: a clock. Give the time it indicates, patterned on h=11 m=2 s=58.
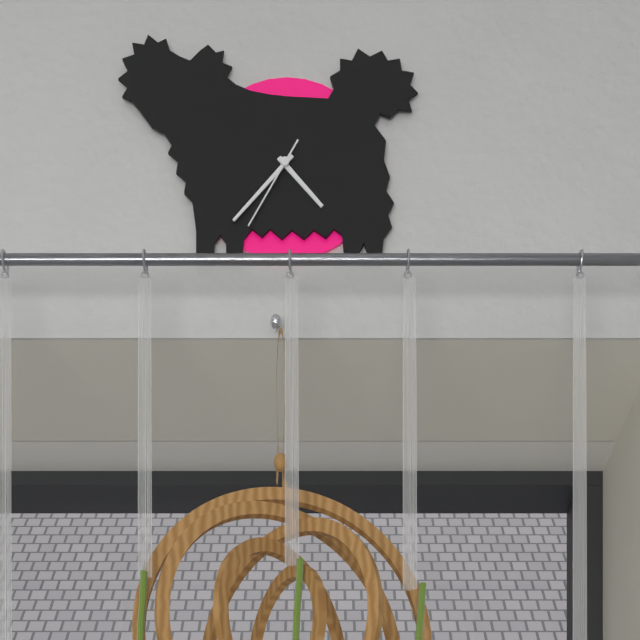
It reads h=4 m=37 s=35
